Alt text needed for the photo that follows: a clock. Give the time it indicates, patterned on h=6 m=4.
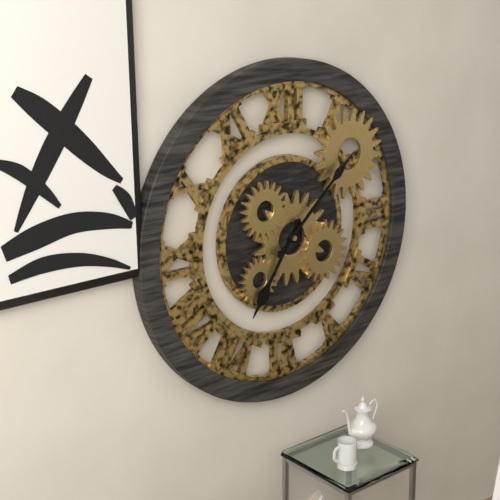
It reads h=7 m=8
